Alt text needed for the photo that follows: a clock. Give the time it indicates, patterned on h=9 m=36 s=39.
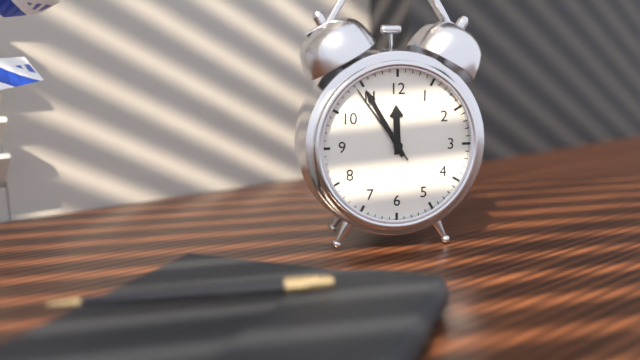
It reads h=11 m=55 s=54
